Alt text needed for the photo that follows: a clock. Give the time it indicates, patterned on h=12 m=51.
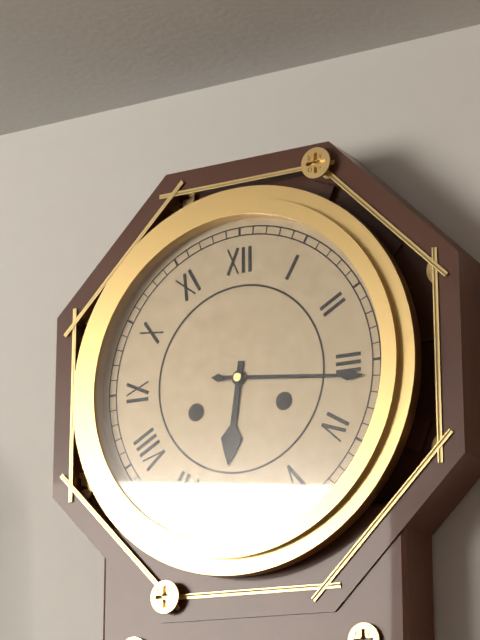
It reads h=6 m=16
